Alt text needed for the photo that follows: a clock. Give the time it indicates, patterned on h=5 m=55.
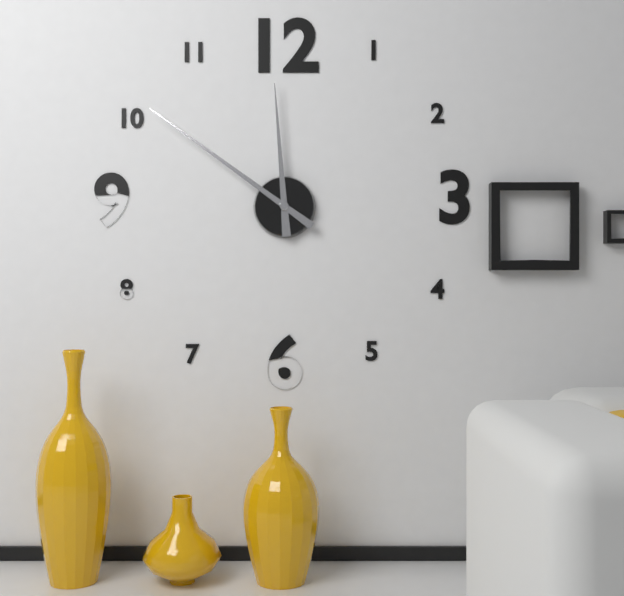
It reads h=11 m=51
